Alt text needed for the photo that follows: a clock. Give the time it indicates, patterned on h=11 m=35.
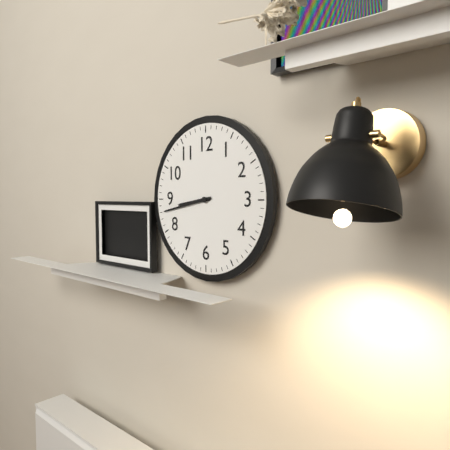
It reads h=8 m=43
